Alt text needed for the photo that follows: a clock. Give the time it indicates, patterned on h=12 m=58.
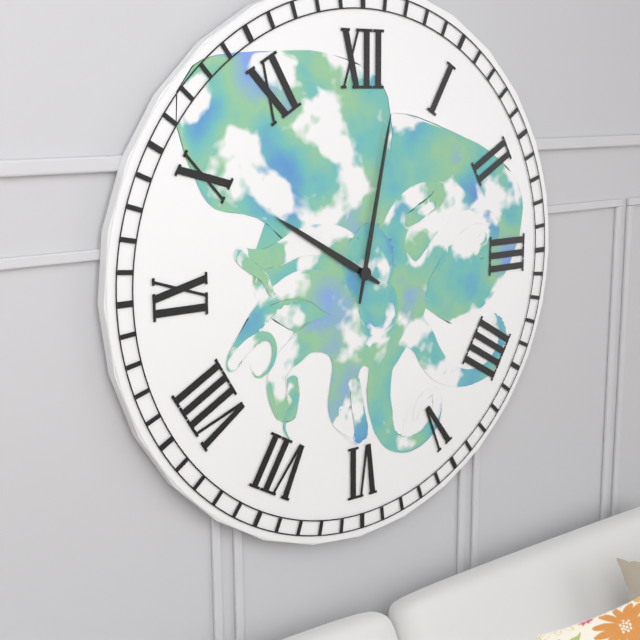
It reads h=10 m=2
